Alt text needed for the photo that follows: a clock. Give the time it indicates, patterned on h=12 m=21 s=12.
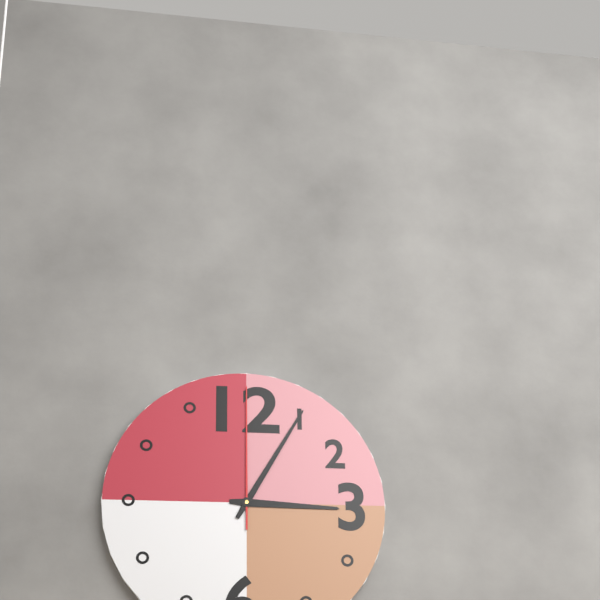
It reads h=3 m=5 s=0
